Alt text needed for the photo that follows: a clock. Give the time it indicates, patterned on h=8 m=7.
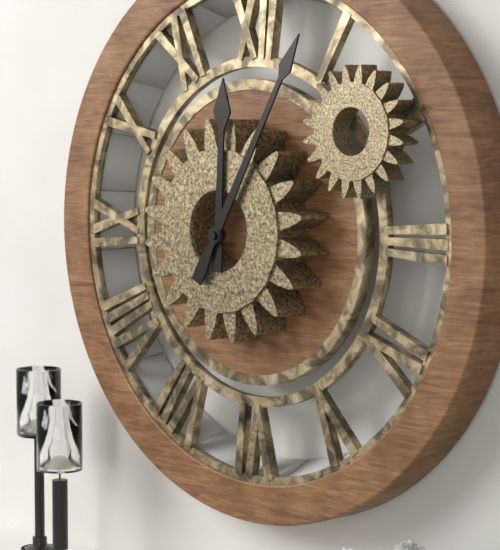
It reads h=12 m=5
